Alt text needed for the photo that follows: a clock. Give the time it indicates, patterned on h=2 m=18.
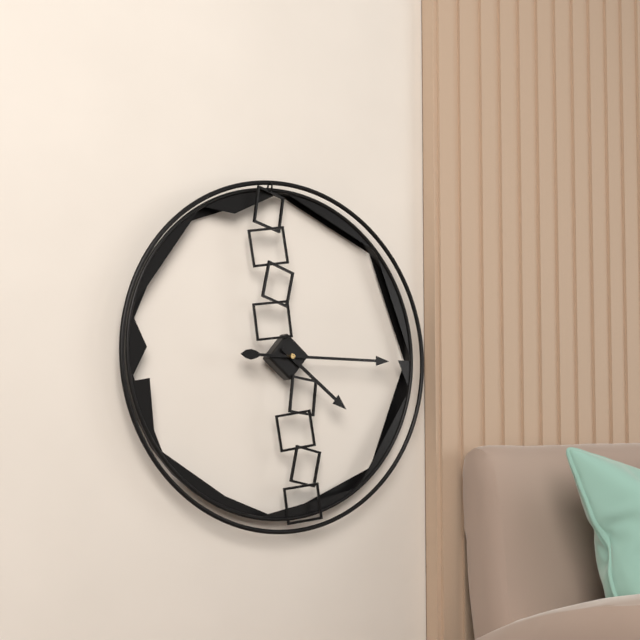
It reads h=4 m=15
